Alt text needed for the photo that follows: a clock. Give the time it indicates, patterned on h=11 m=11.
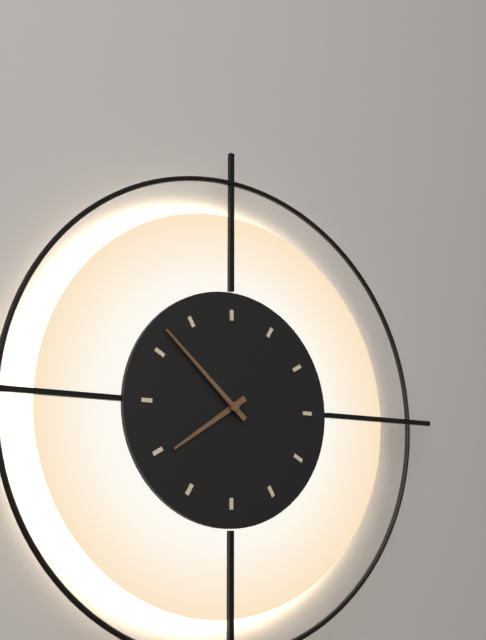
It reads h=7 m=52
